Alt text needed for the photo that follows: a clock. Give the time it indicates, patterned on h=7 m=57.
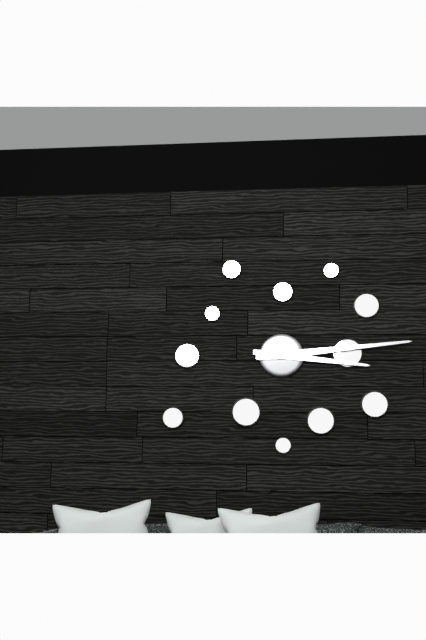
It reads h=3 m=14
